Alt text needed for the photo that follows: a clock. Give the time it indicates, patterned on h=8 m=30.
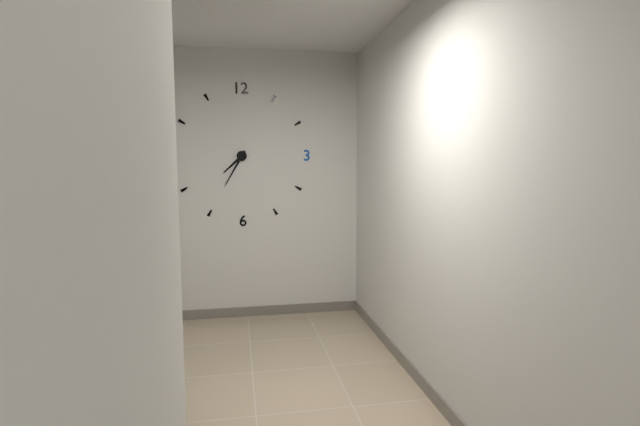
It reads h=7 m=35
